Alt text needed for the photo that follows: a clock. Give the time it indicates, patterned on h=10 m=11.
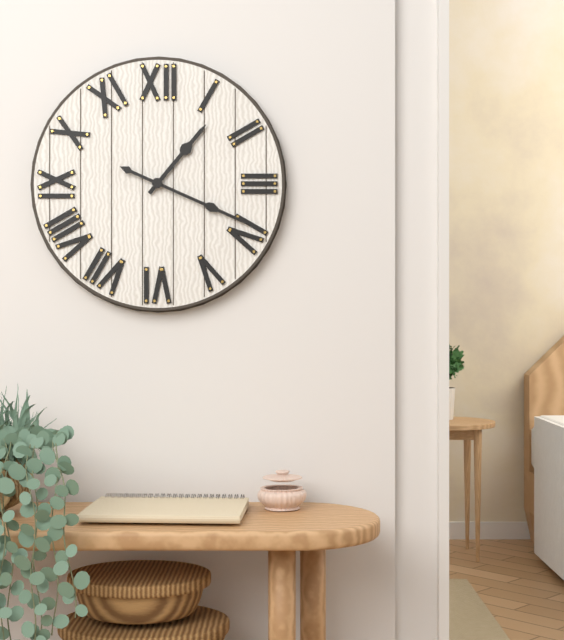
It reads h=1 m=19
